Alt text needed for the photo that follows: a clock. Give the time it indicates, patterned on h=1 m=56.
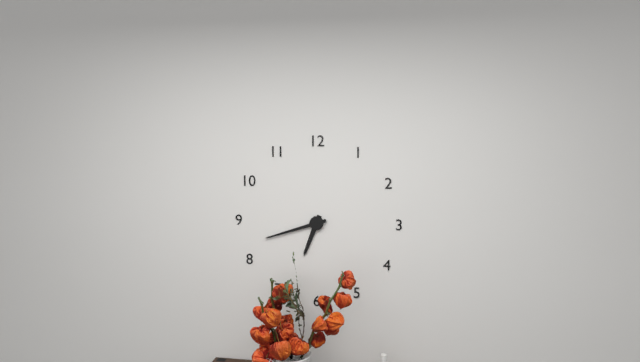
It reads h=6 m=42
